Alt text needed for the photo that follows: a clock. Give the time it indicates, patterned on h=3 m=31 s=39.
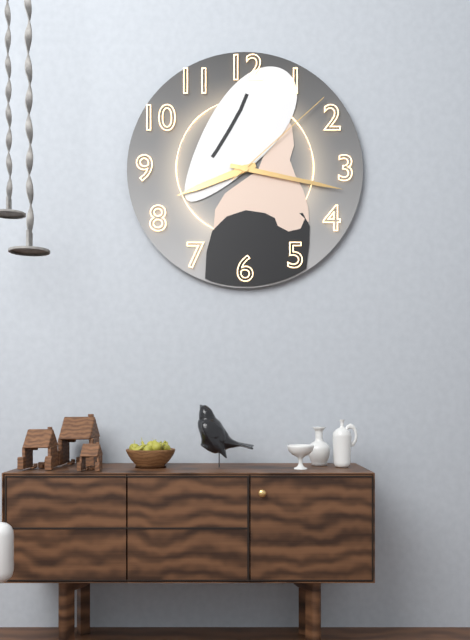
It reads h=8 m=17 s=8
